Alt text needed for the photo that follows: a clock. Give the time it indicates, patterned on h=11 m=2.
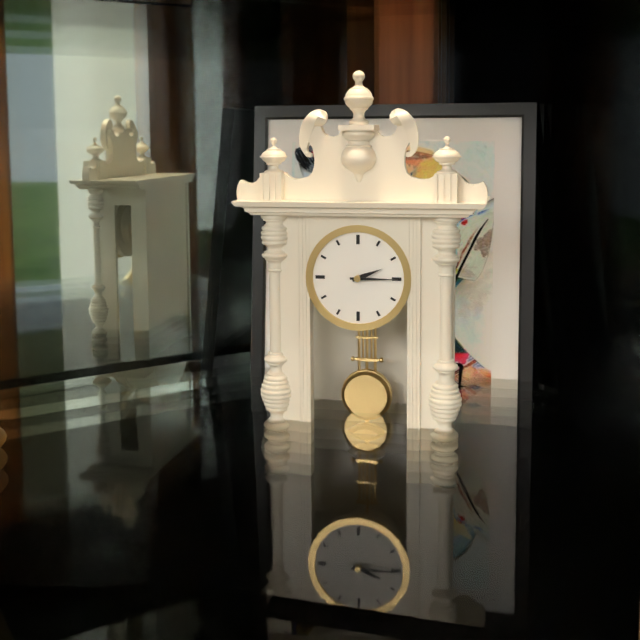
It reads h=2 m=15
